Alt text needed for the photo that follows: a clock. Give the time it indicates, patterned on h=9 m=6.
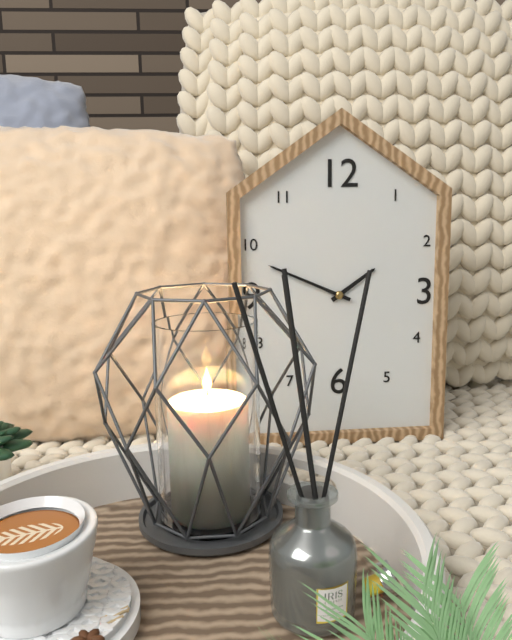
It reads h=1 m=49
